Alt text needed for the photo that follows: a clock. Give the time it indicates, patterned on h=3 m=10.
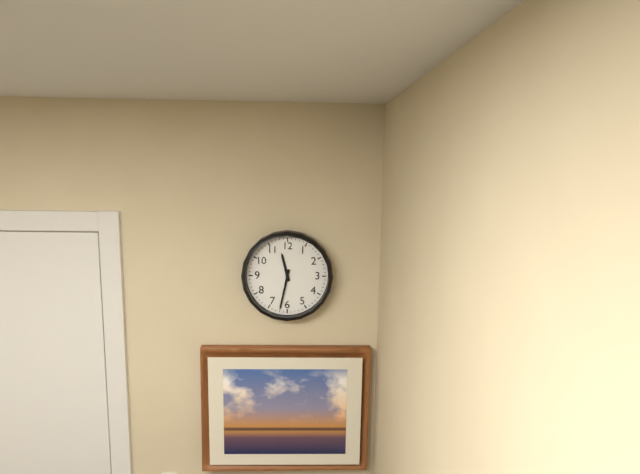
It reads h=11 m=32
